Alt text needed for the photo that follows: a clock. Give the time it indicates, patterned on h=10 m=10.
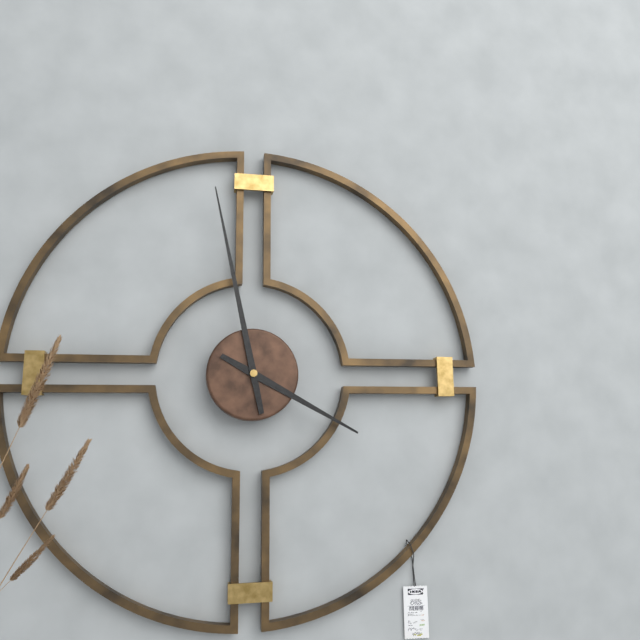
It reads h=3 m=58
